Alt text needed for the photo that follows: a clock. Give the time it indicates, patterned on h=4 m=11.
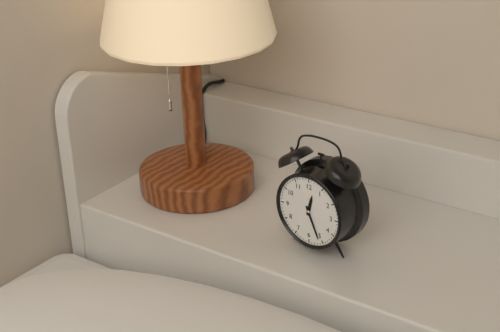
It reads h=12 m=26
